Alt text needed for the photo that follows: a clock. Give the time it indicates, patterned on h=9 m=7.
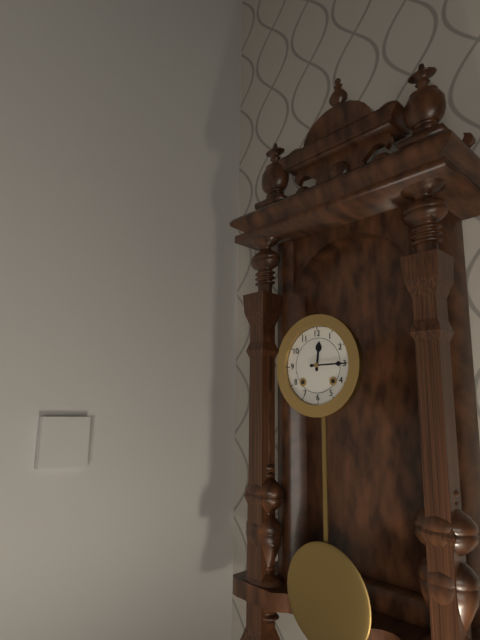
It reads h=12 m=15
